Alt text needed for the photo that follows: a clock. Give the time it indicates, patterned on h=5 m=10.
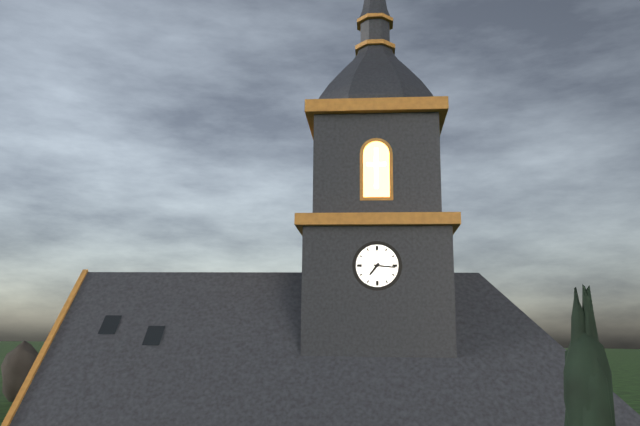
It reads h=7 m=16
